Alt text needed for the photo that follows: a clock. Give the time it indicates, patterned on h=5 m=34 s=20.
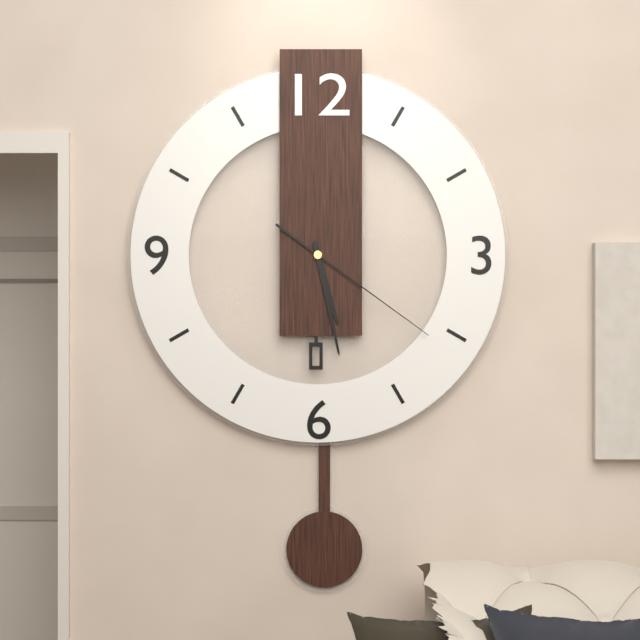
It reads h=5 m=28 s=21
